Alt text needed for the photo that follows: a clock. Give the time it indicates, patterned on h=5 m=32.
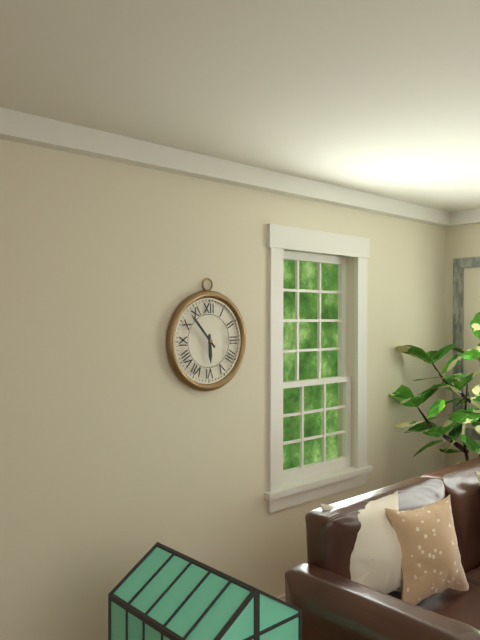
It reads h=5 m=53
